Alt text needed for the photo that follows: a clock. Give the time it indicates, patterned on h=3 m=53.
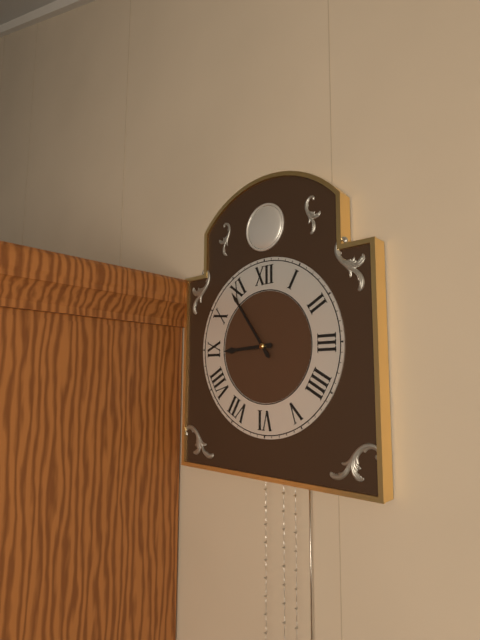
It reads h=8 m=54
